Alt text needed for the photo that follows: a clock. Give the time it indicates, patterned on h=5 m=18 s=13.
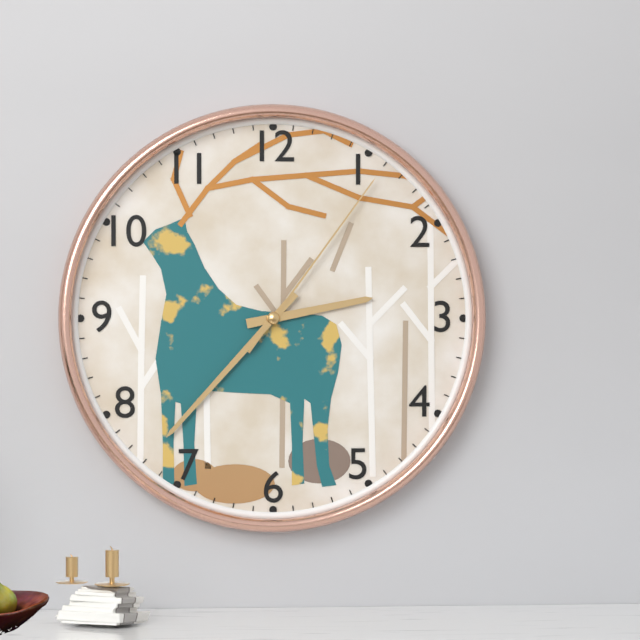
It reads h=2 m=37 s=6
